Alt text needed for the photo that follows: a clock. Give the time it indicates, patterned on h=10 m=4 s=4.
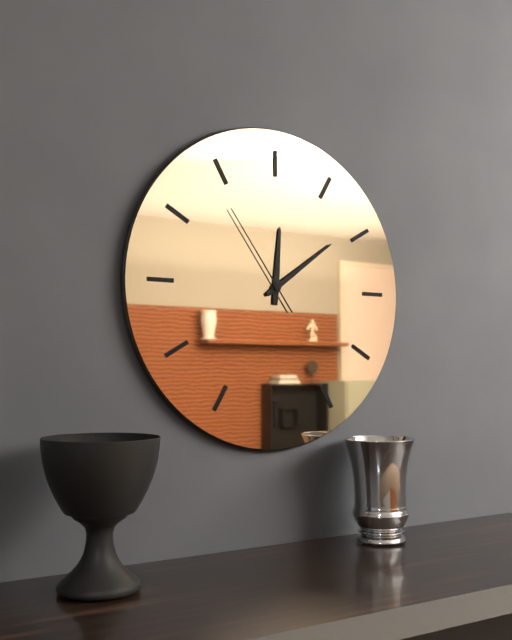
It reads h=12 m=9 s=54
